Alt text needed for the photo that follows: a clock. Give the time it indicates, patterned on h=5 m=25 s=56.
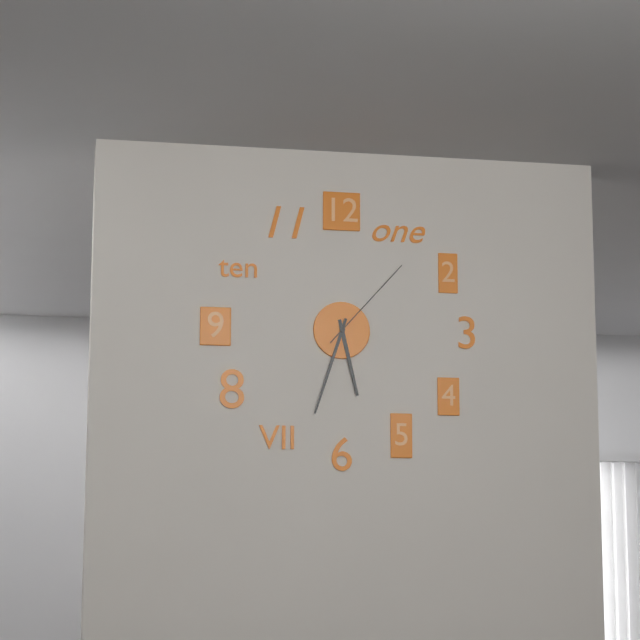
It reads h=5 m=33 s=7
